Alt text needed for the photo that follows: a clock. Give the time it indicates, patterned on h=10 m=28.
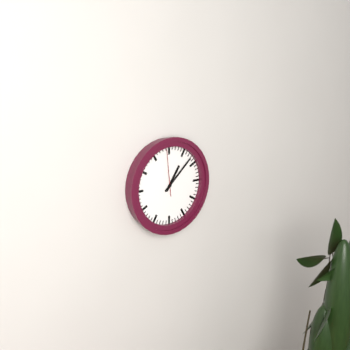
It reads h=1 m=8
